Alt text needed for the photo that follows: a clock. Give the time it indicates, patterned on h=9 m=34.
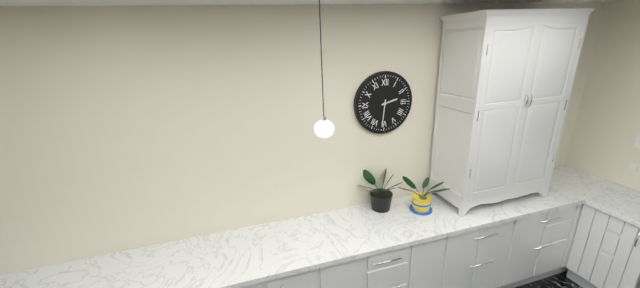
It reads h=2 m=31
